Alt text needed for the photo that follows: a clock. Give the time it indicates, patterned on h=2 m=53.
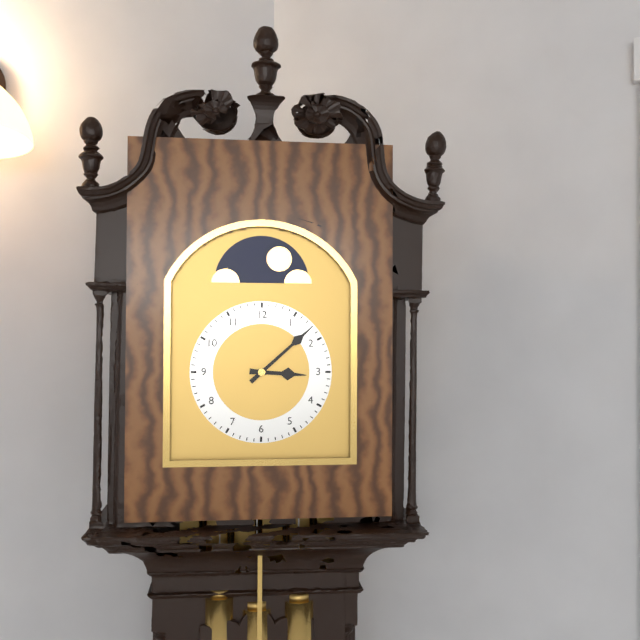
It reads h=3 m=8
